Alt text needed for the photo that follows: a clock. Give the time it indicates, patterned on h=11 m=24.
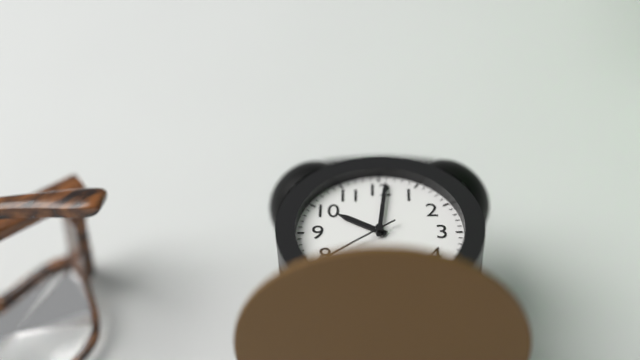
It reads h=10 m=1
